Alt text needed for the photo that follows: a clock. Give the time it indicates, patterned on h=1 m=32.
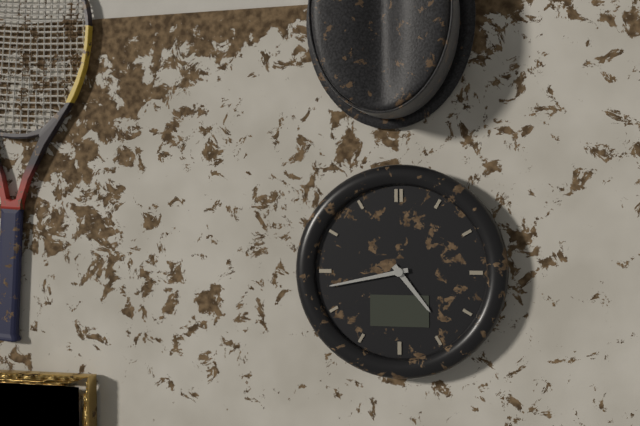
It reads h=4 m=43
